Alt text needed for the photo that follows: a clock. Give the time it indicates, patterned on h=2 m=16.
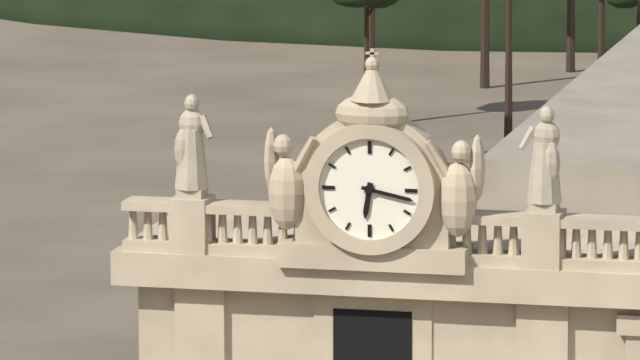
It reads h=6 m=17
